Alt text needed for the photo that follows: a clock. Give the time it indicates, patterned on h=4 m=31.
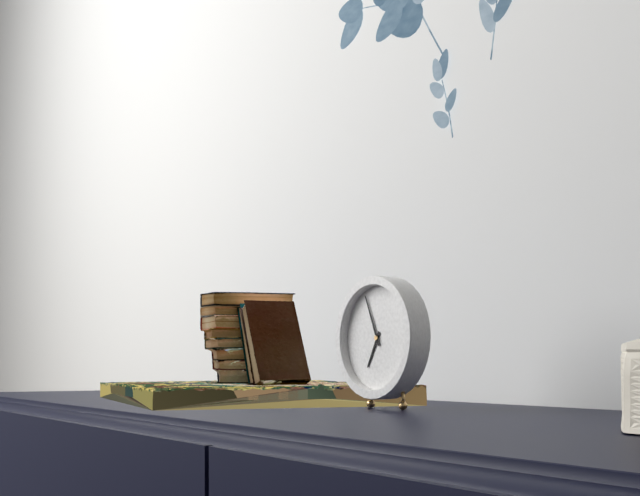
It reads h=6 m=56
